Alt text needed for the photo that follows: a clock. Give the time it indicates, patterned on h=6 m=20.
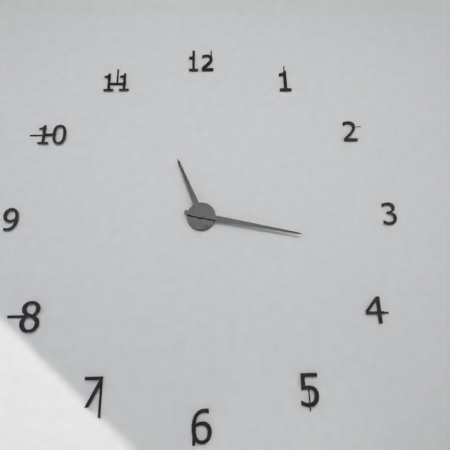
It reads h=11 m=17
